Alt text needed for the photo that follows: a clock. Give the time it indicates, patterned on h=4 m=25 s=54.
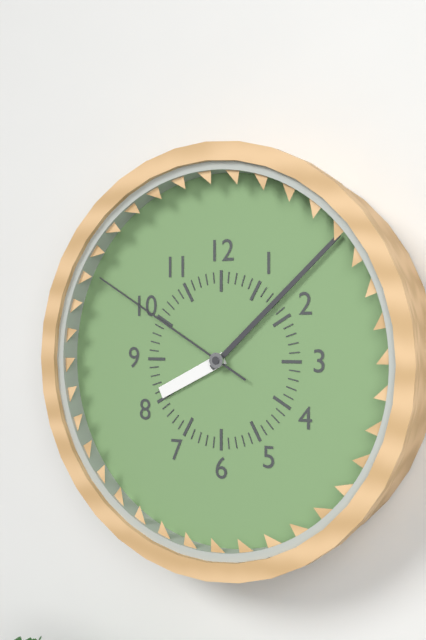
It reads h=8 m=8 s=50
